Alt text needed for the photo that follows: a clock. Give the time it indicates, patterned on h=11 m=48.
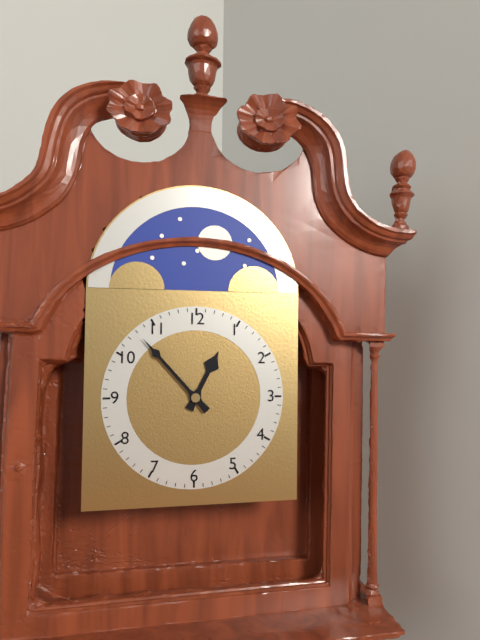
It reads h=12 m=53
